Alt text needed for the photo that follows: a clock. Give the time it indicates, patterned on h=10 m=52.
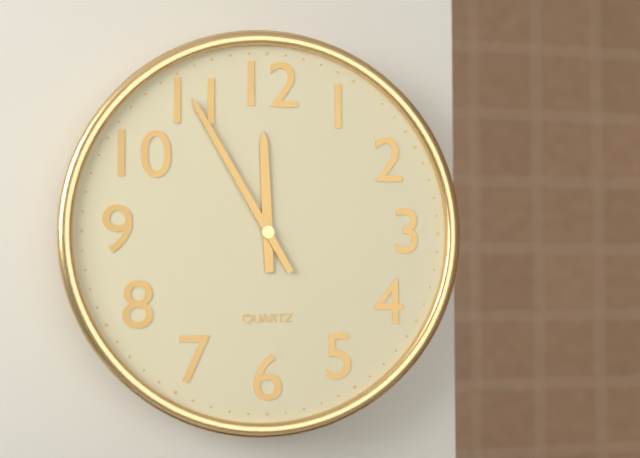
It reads h=11 m=55
